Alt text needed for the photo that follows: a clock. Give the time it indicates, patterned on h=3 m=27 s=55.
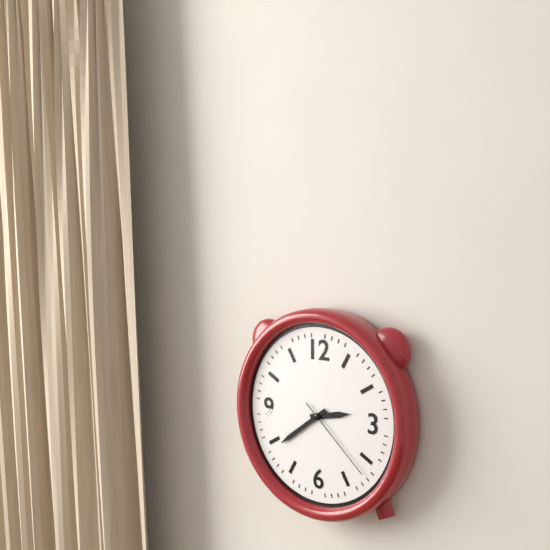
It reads h=2 m=39 s=22
